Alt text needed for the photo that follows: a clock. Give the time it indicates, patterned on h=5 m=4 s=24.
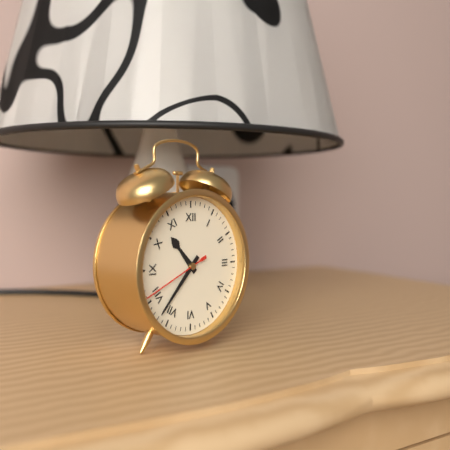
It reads h=10 m=37 s=41
